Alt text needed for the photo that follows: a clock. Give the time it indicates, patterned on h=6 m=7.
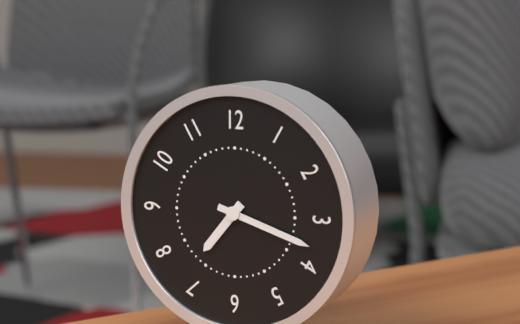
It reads h=7 m=18
